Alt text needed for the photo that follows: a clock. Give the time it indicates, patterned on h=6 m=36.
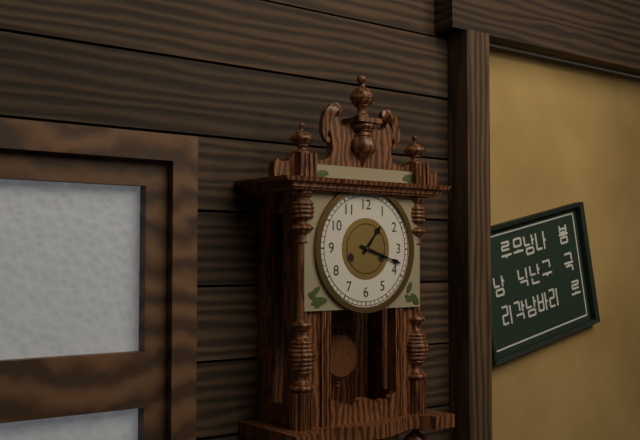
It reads h=1 m=18
